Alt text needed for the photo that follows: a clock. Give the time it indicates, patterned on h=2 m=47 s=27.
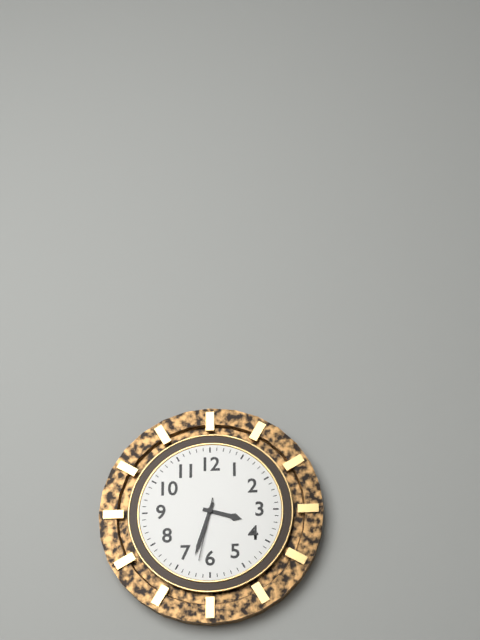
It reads h=3 m=33 s=32
